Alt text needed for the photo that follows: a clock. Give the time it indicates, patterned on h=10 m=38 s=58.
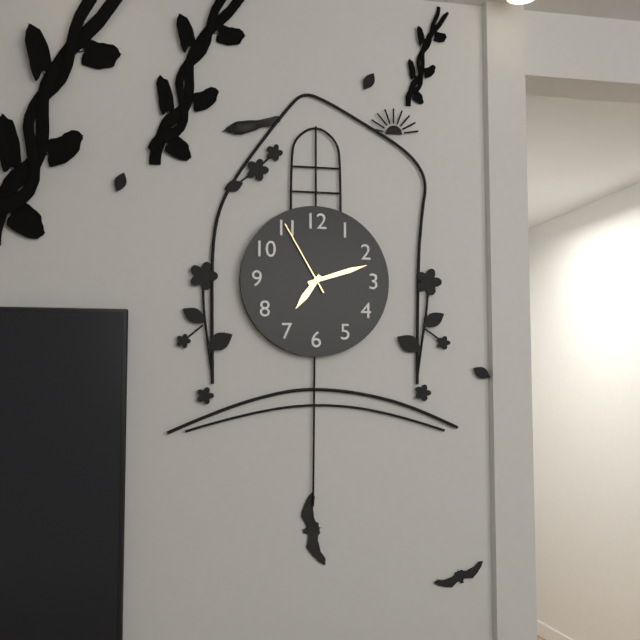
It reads h=7 m=12 s=55
